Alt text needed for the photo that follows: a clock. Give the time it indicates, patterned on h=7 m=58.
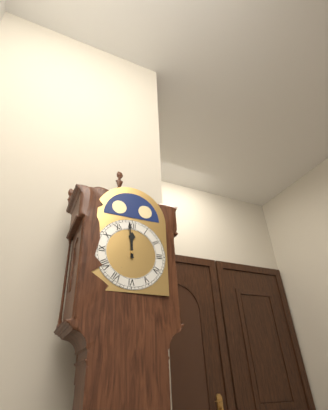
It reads h=11 m=59
